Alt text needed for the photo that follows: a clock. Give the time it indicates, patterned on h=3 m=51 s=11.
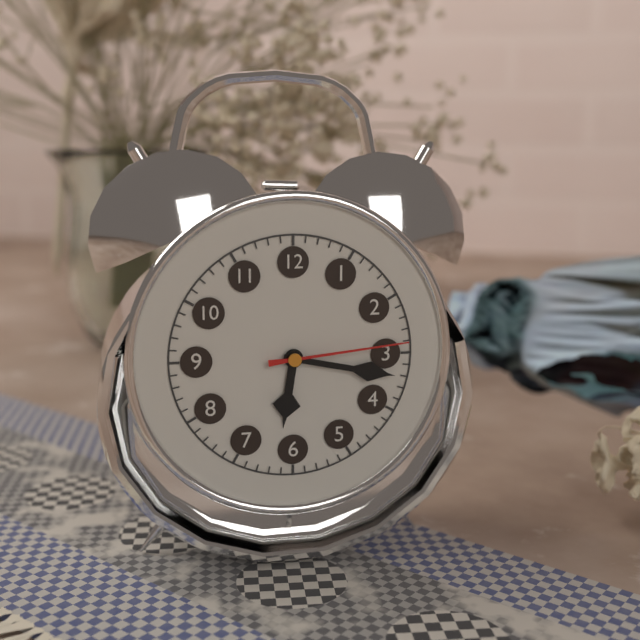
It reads h=6 m=17 s=14
